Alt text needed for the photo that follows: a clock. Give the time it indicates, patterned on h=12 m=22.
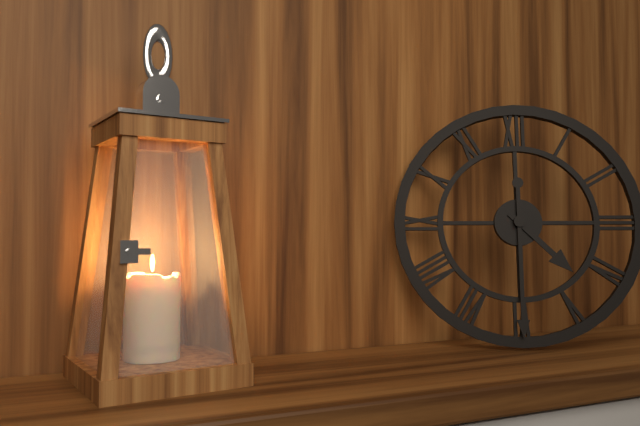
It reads h=4 m=30
